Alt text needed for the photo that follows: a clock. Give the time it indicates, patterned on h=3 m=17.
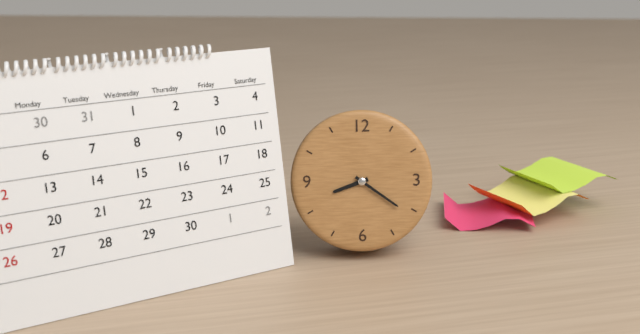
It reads h=8 m=21
